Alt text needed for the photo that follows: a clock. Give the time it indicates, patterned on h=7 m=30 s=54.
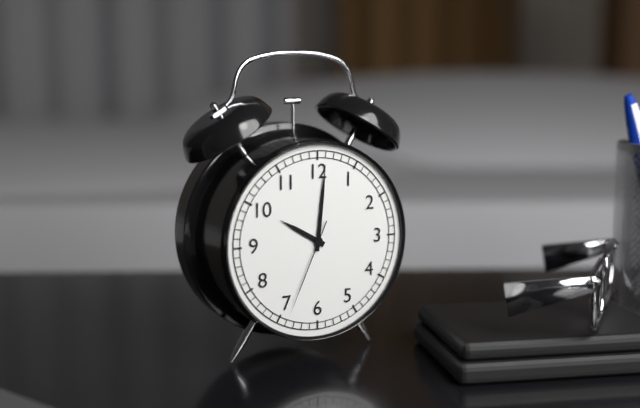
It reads h=10 m=1 s=34
